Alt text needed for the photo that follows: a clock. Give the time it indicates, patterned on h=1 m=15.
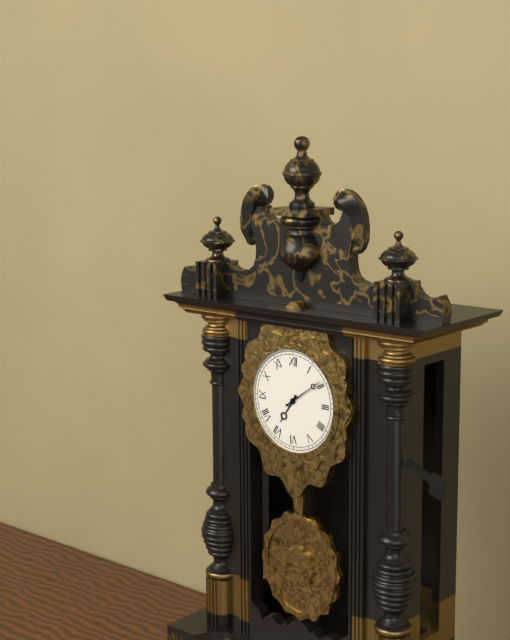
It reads h=7 m=9
